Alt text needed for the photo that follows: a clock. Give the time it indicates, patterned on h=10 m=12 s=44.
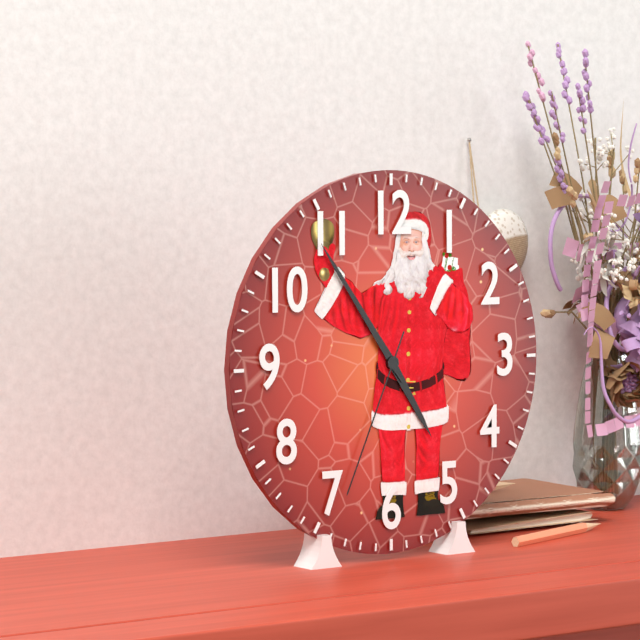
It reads h=4 m=54 s=34
